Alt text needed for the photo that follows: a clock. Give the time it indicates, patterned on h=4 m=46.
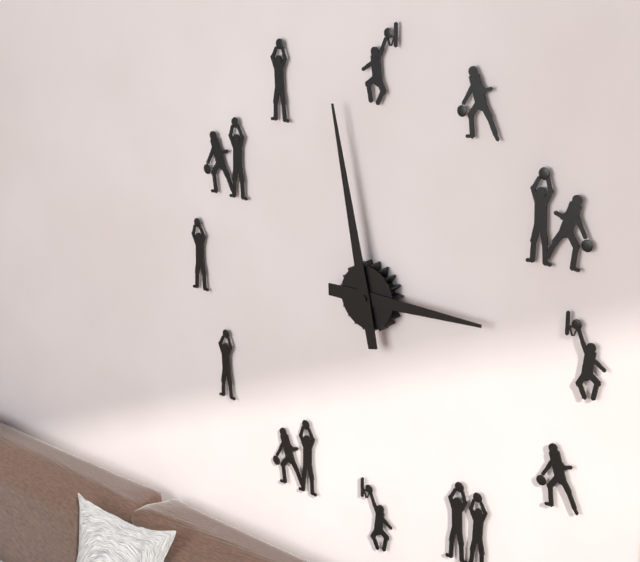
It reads h=2 m=58
